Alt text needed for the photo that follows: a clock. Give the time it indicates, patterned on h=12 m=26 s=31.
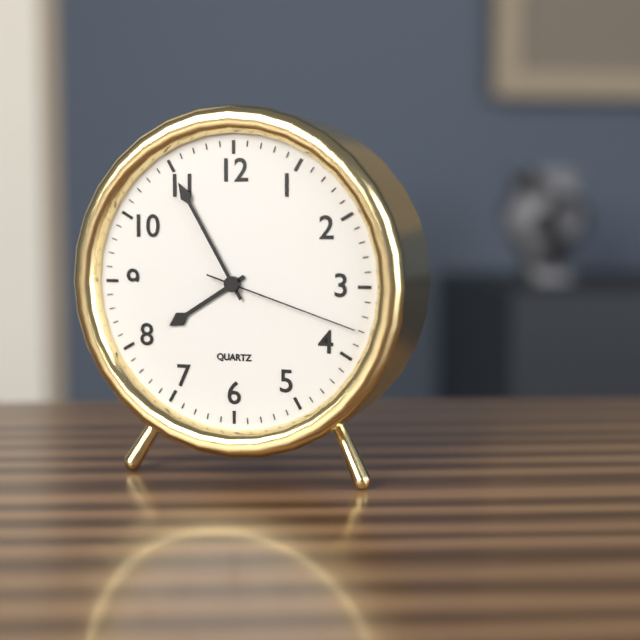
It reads h=7 m=55 s=18
